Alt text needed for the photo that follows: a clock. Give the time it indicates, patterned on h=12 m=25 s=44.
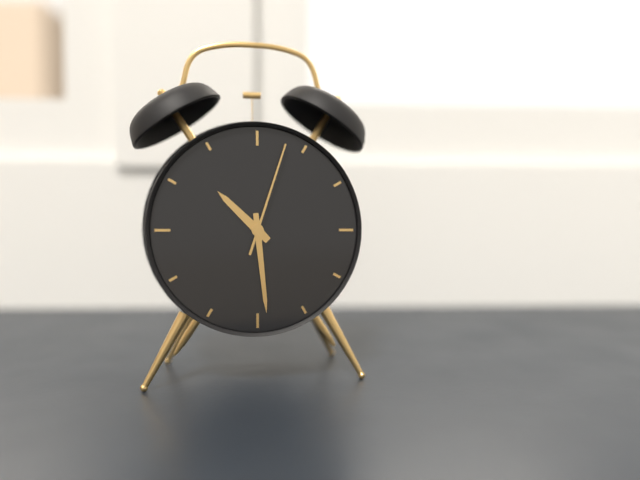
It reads h=10 m=29 s=3
